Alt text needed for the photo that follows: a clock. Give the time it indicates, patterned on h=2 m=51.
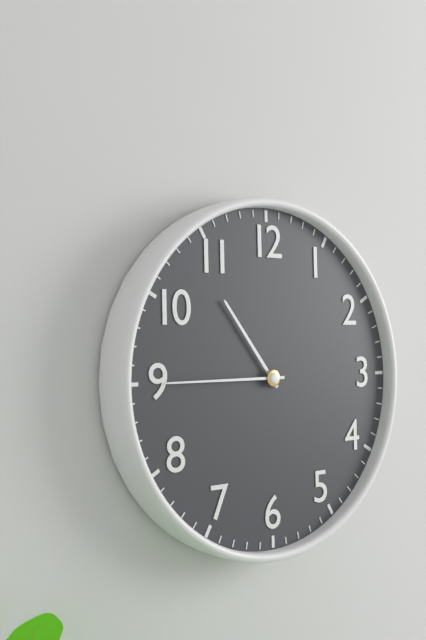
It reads h=10 m=45
